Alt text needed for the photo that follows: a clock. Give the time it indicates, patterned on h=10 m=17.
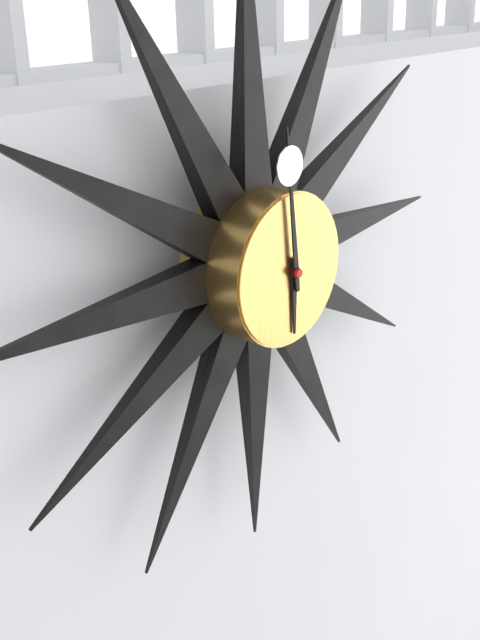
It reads h=5 m=59
